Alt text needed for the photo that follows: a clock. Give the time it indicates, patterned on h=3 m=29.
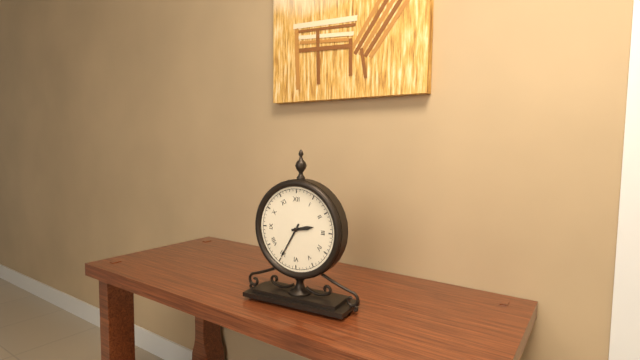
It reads h=2 m=35
